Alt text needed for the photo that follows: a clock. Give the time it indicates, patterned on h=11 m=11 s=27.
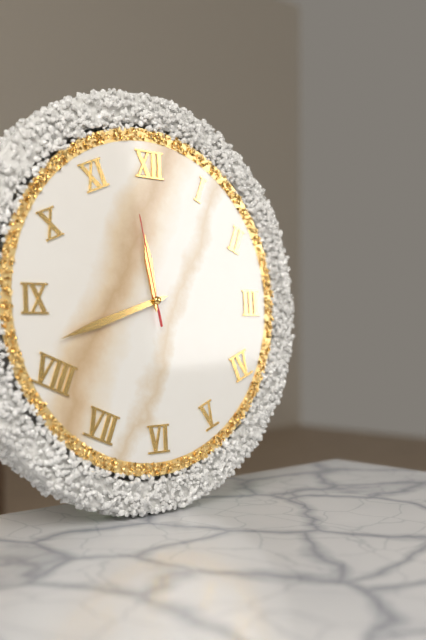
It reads h=11 m=42 s=58
